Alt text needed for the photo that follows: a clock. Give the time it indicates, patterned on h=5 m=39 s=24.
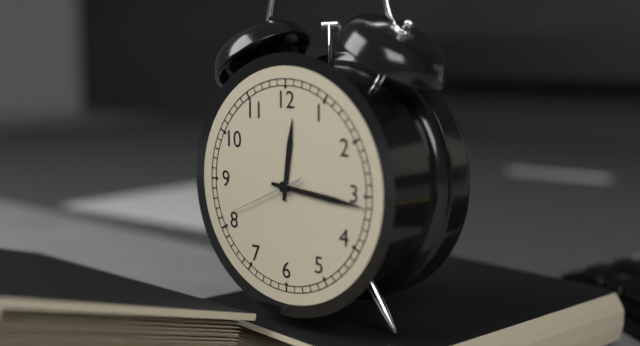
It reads h=12 m=16 s=41
